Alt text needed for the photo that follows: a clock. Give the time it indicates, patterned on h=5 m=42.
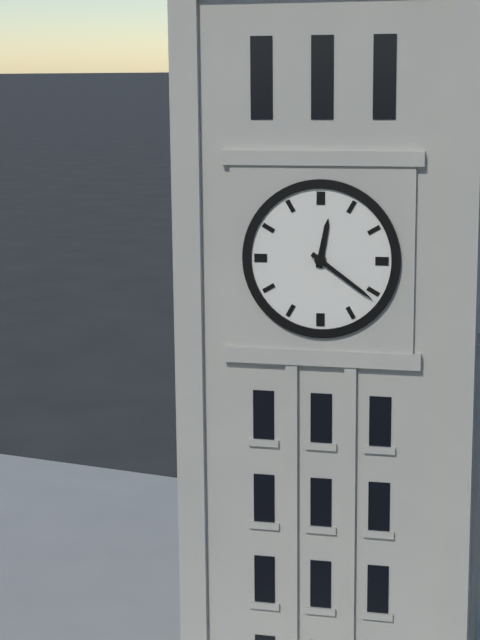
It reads h=12 m=21
